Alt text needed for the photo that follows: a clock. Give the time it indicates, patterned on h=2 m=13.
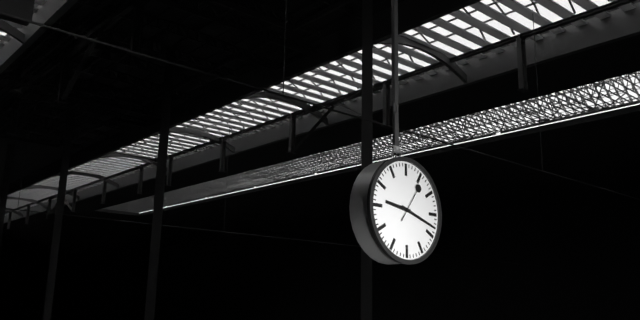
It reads h=9 m=18
